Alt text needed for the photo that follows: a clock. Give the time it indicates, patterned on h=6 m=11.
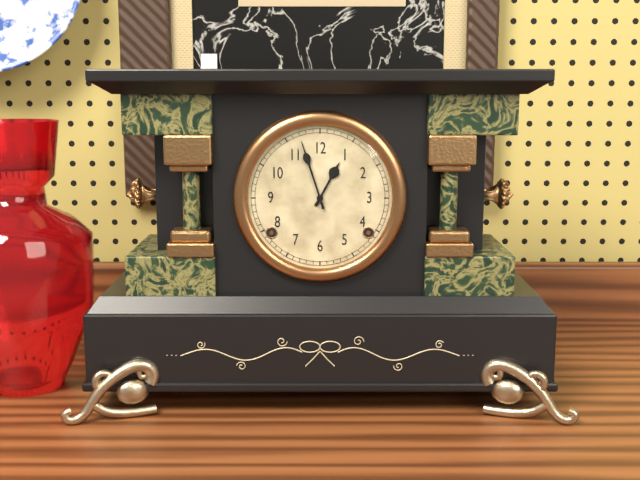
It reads h=12 m=57
